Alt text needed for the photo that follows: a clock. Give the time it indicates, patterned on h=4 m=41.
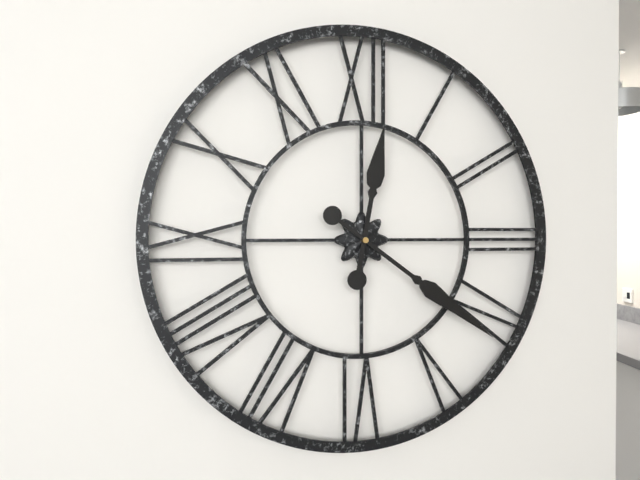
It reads h=12 m=21
